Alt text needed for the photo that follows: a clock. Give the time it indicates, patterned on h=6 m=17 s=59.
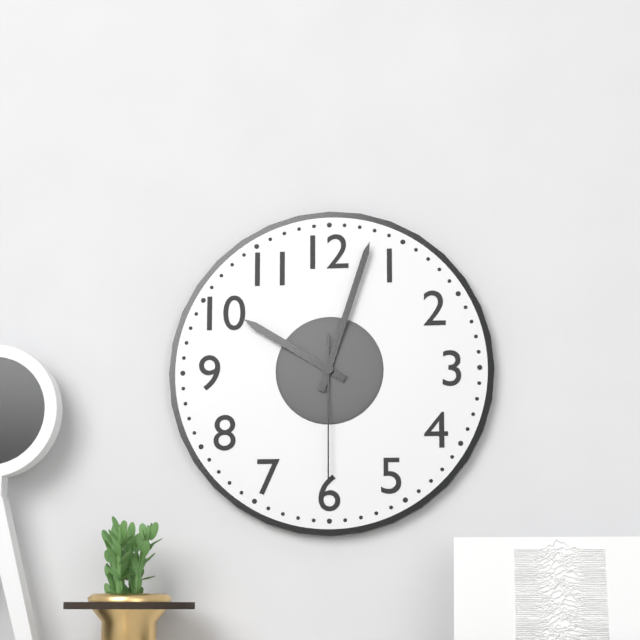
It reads h=10 m=3 s=30
